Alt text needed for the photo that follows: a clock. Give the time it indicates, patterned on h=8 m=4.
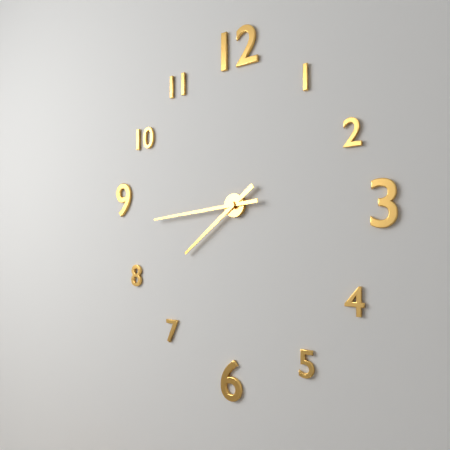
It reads h=7 m=44
